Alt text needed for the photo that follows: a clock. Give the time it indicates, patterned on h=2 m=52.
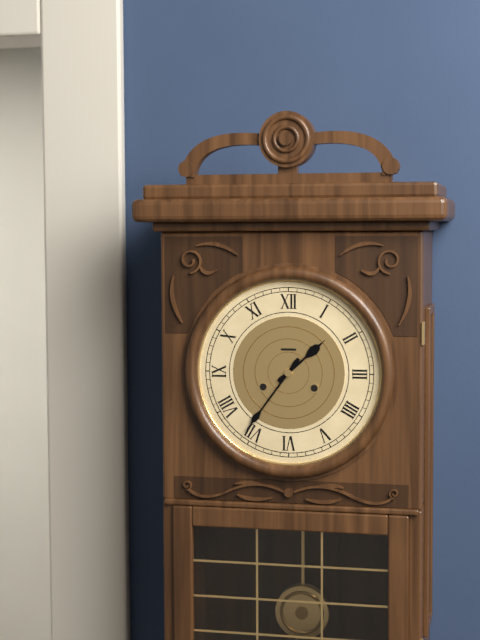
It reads h=1 m=36
